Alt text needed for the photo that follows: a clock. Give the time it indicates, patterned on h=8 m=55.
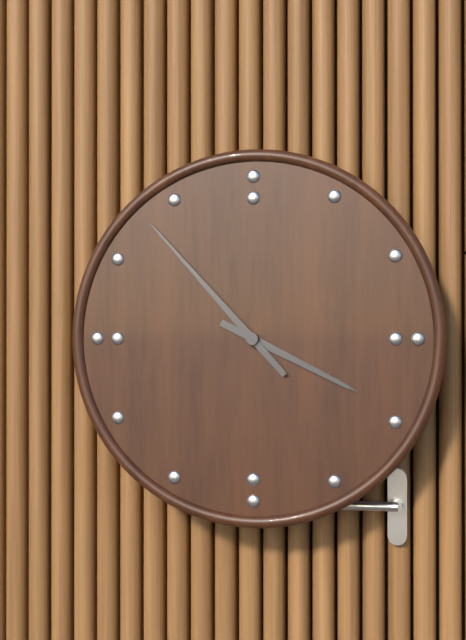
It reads h=3 m=53
